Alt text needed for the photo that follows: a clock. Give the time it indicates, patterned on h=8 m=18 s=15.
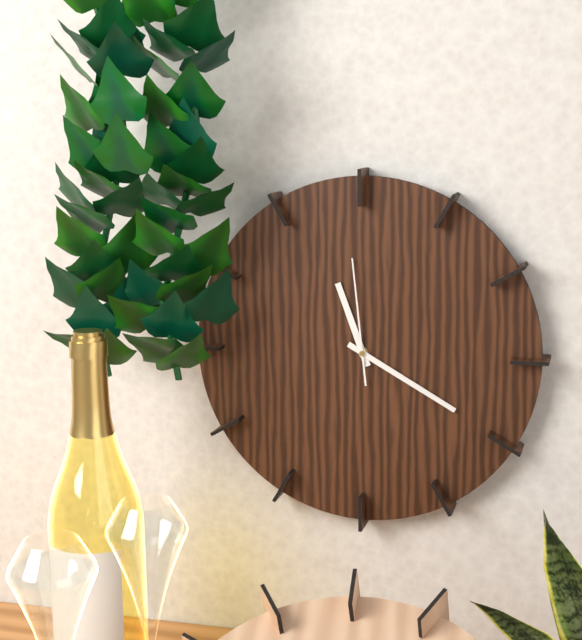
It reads h=11 m=20 s=59
